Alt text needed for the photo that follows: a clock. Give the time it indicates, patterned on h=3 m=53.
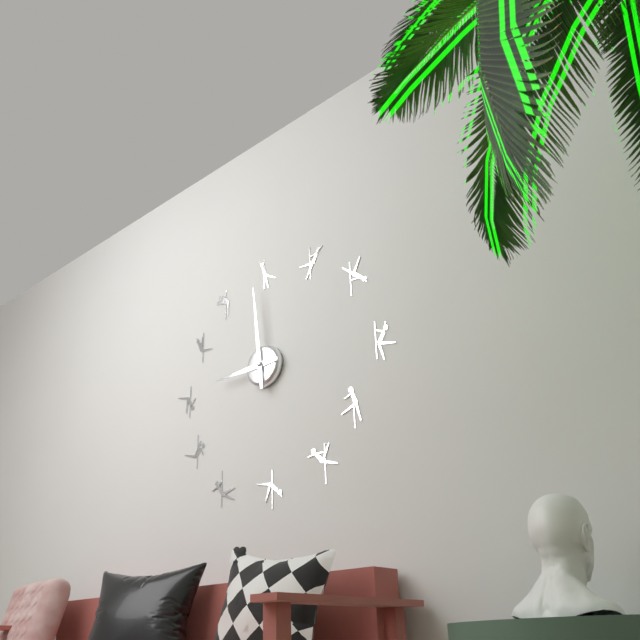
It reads h=8 m=59
